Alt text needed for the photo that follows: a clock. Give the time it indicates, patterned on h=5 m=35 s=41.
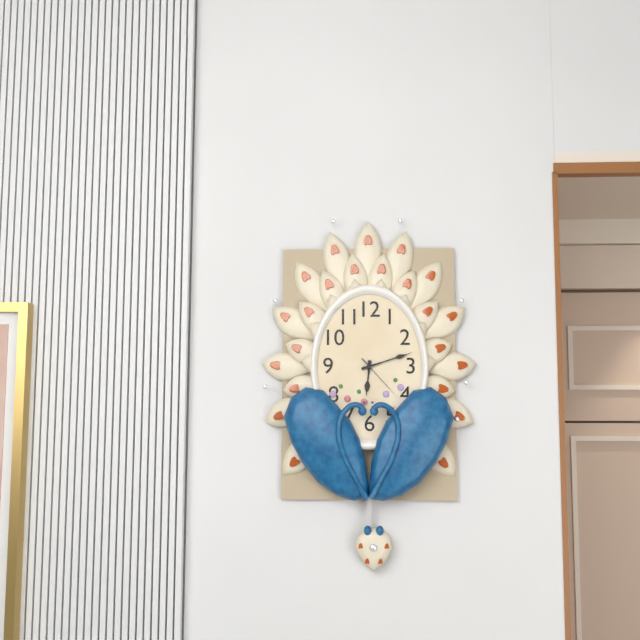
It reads h=6 m=12 s=23
